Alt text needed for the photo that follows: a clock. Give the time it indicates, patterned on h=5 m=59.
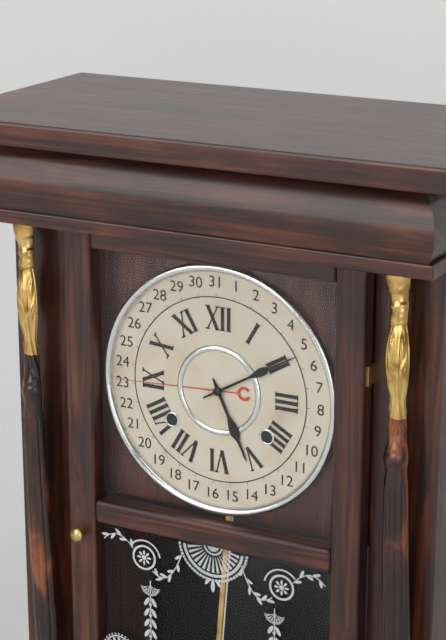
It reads h=5 m=10
